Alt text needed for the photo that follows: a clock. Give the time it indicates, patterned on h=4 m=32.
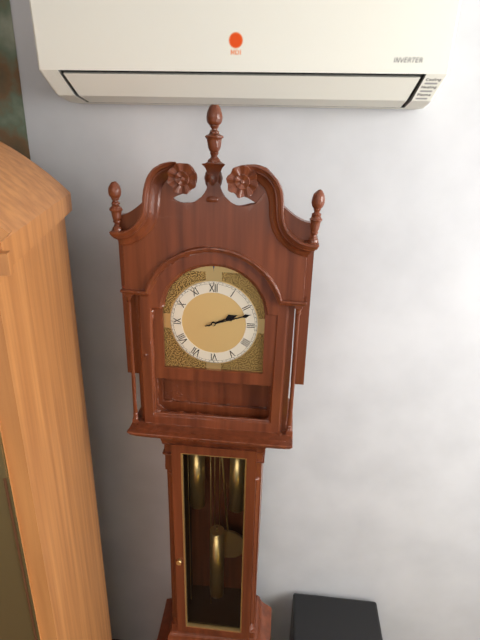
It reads h=2 m=12
